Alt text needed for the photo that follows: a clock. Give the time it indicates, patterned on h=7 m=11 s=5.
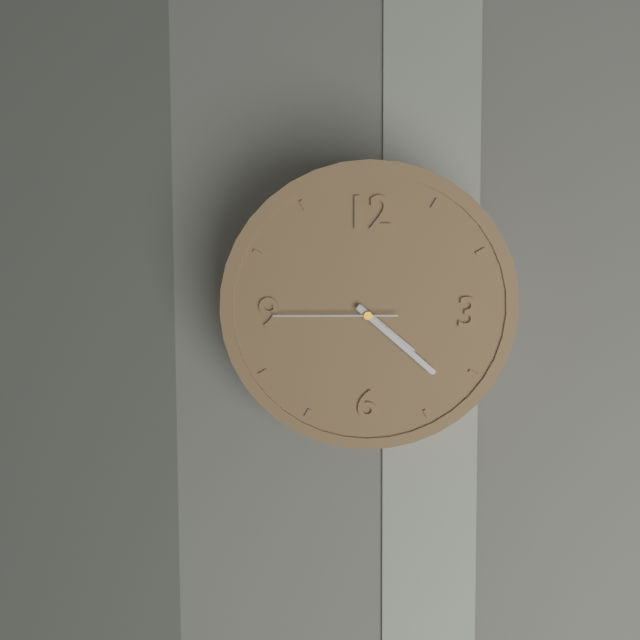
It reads h=4 m=22 s=45
